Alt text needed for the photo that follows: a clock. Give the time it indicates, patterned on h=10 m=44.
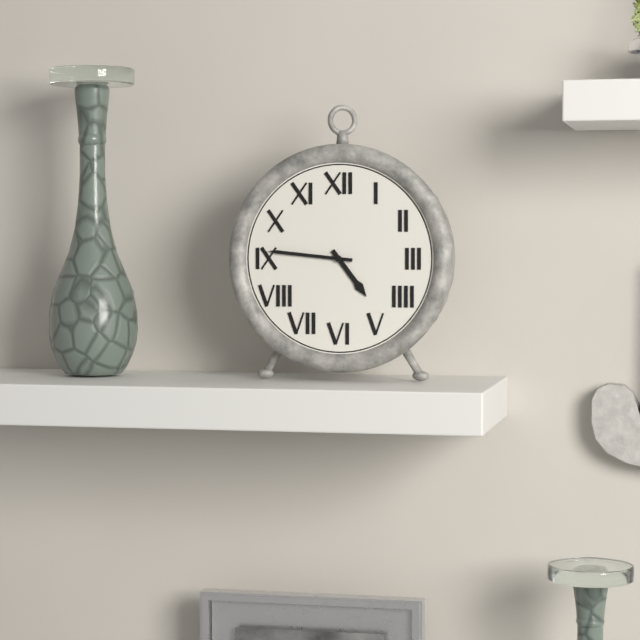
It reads h=4 m=46
